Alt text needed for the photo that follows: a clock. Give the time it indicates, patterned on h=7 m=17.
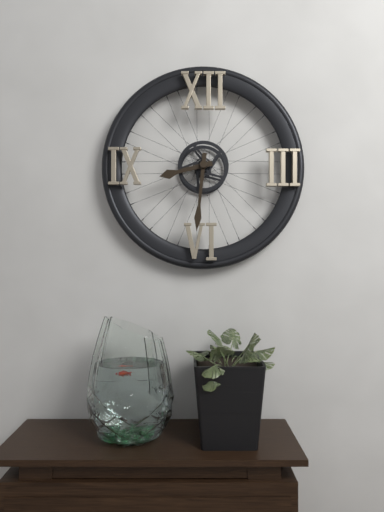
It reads h=8 m=31
